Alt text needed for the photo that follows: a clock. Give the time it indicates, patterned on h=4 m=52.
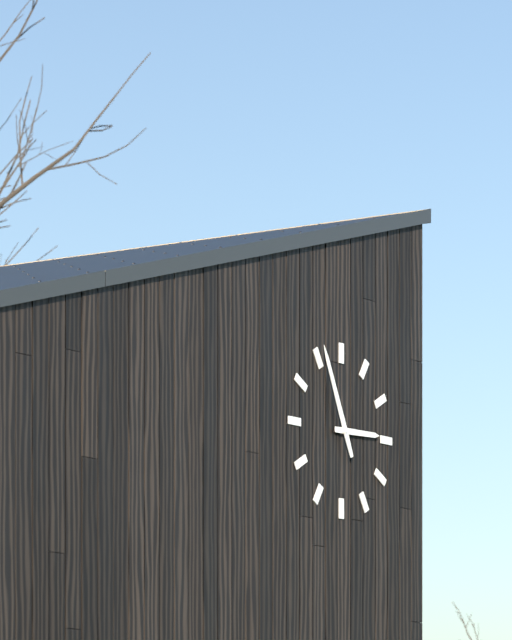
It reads h=2 m=56
